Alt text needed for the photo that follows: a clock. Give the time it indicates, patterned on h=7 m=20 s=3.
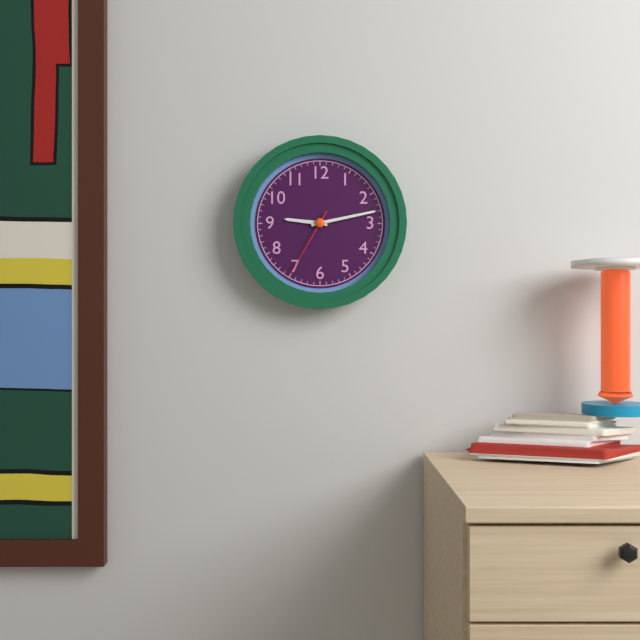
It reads h=9 m=13 s=35
